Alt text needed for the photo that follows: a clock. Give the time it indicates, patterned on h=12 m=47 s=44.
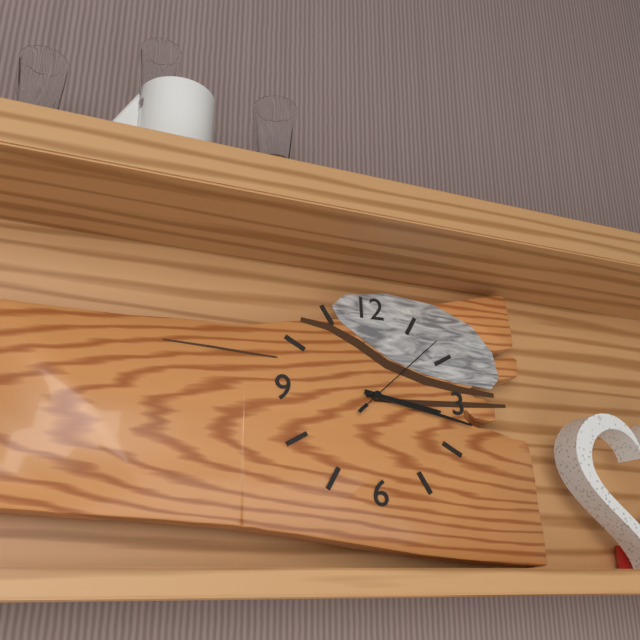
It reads h=3 m=17 s=8
